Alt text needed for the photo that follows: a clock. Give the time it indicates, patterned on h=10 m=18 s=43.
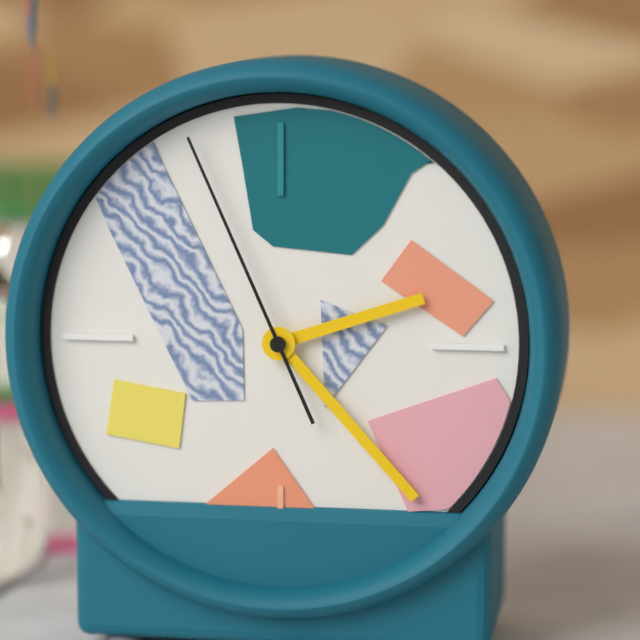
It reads h=2 m=23 s=56
